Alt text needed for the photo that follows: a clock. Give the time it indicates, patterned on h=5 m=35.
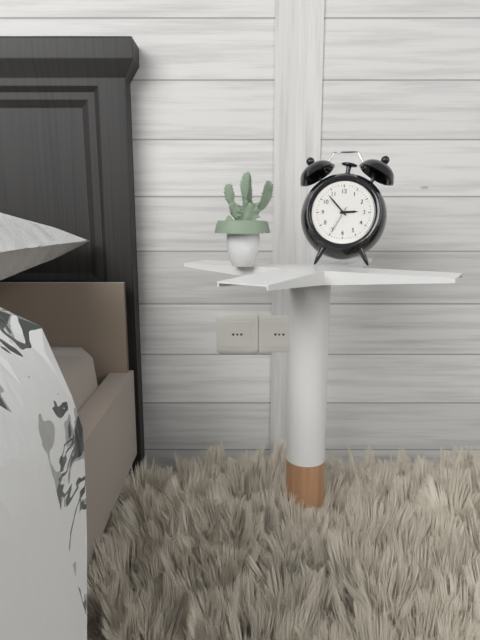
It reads h=2 m=53
